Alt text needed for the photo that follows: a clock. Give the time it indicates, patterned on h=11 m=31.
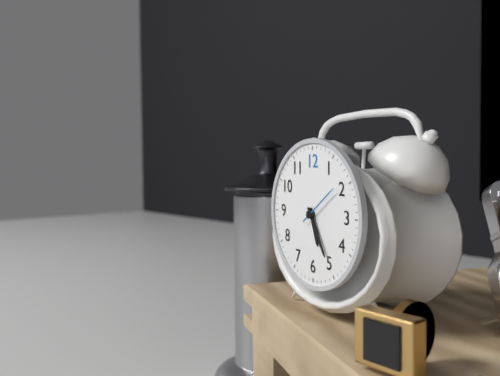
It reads h=5 m=25
